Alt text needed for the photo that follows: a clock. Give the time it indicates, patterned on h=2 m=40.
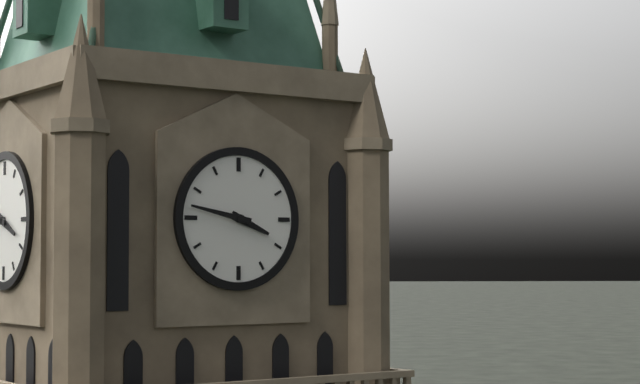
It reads h=3 m=47
